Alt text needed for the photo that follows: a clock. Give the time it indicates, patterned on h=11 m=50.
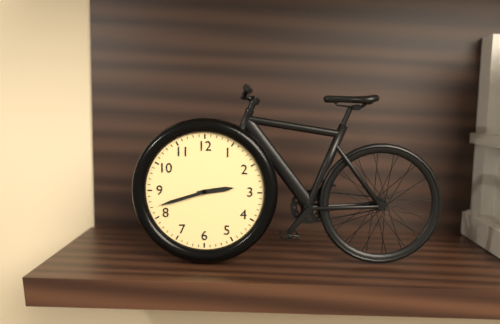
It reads h=2 m=42
